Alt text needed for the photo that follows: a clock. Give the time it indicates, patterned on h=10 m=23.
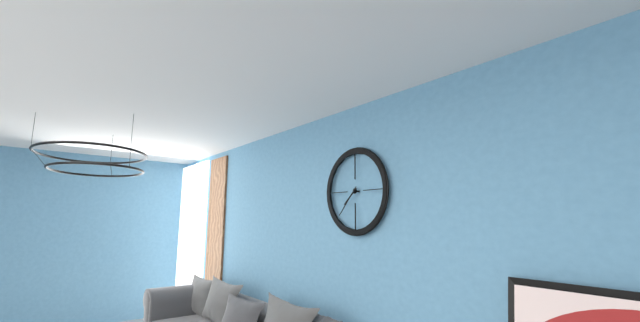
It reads h=7 m=37
